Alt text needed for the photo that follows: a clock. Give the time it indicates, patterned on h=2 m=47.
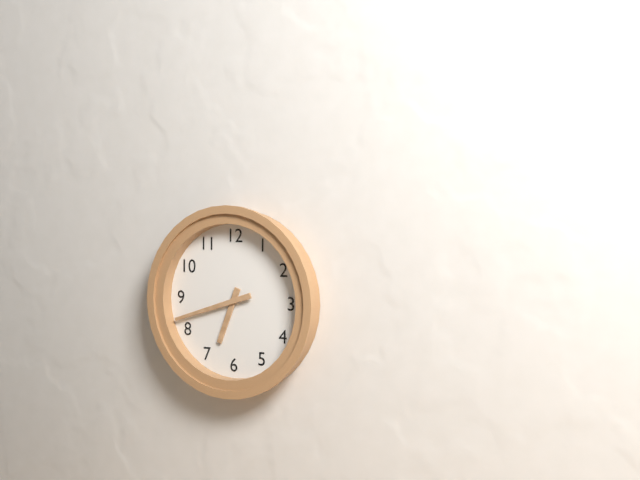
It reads h=6 m=42
